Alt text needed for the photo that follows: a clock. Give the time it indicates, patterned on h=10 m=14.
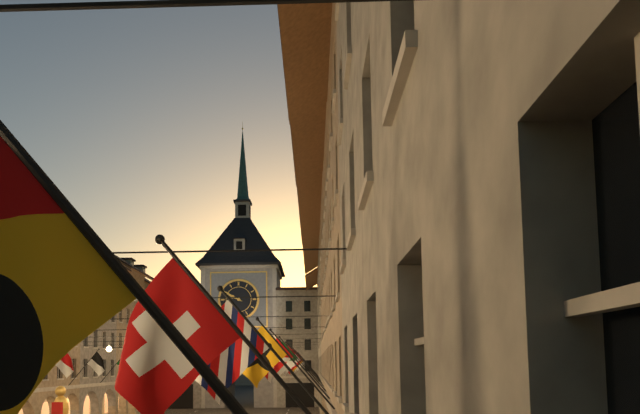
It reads h=9 m=50
